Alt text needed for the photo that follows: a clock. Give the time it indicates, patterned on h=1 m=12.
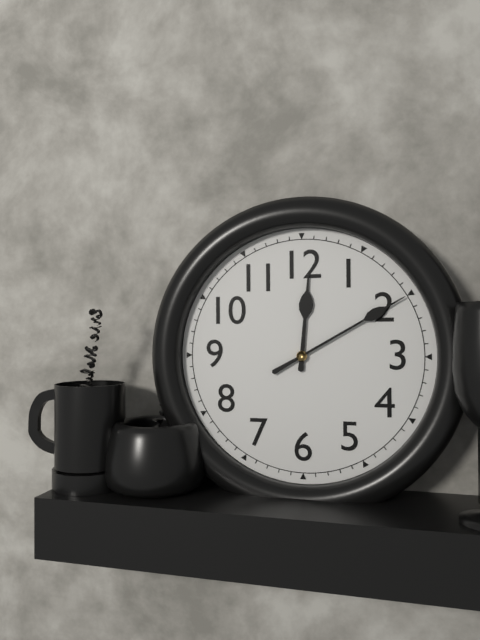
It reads h=12 m=10
